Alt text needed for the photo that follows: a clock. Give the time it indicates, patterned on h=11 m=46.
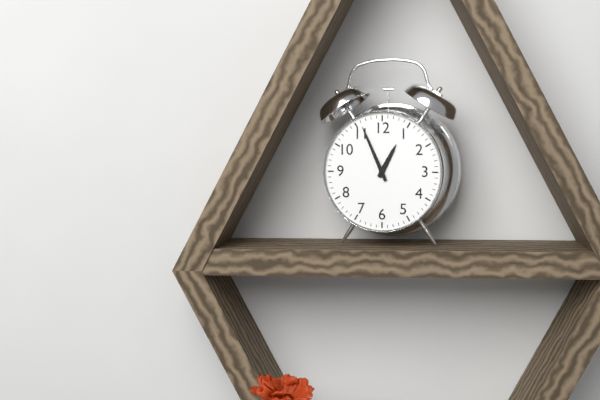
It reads h=12 m=56
